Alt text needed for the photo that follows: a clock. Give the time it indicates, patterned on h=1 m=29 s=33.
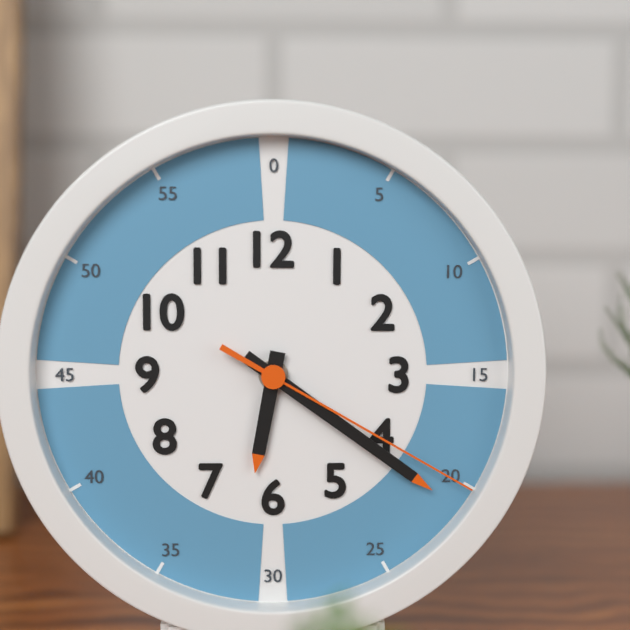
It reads h=6 m=21 s=20
